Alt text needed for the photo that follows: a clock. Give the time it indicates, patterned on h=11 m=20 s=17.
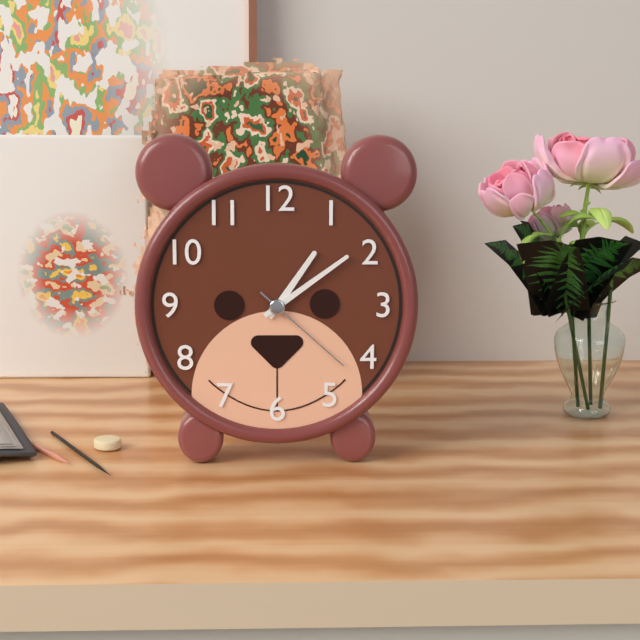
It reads h=1 m=9 s=22
